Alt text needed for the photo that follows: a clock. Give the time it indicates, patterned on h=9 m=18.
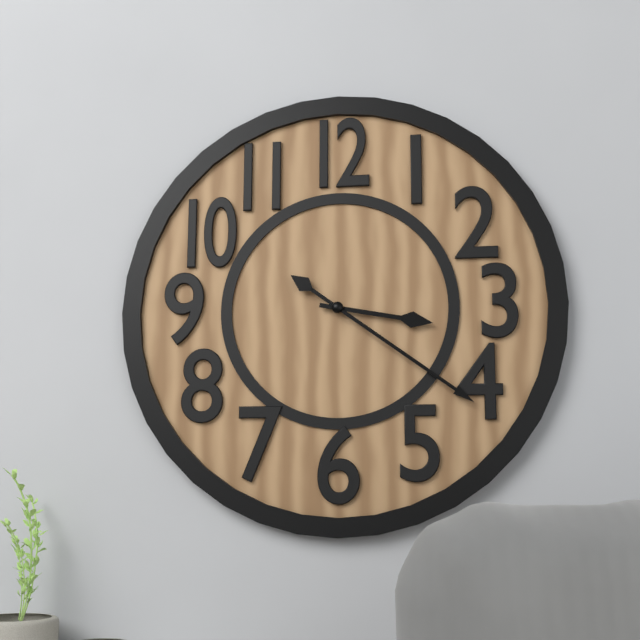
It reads h=3 m=21
